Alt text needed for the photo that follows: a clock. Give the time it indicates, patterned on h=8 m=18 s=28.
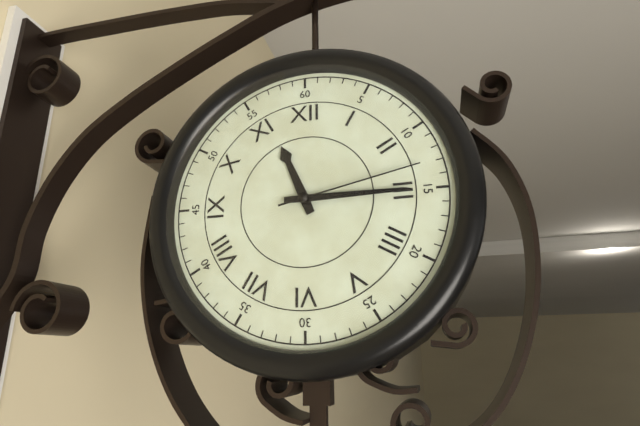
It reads h=11 m=15 s=13
